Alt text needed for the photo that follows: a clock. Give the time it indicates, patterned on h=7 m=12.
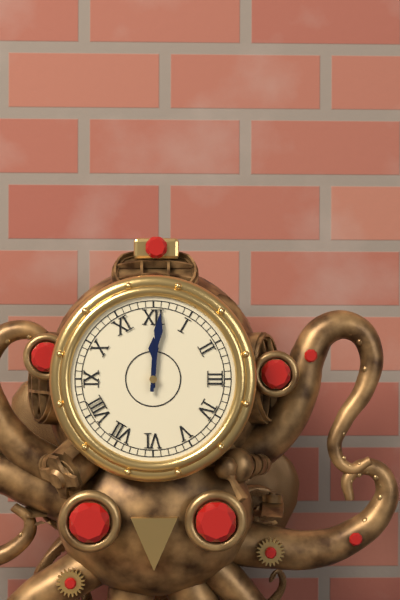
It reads h=12 m=1
